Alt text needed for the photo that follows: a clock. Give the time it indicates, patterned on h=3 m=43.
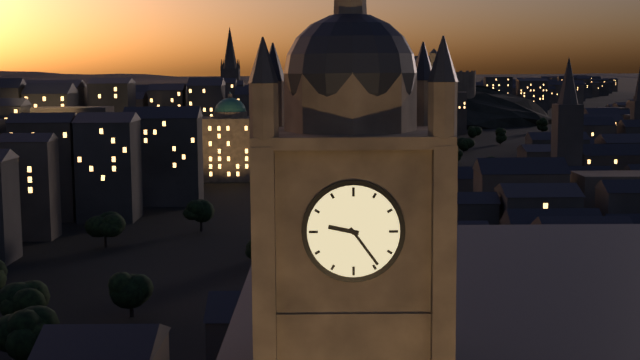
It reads h=9 m=24
